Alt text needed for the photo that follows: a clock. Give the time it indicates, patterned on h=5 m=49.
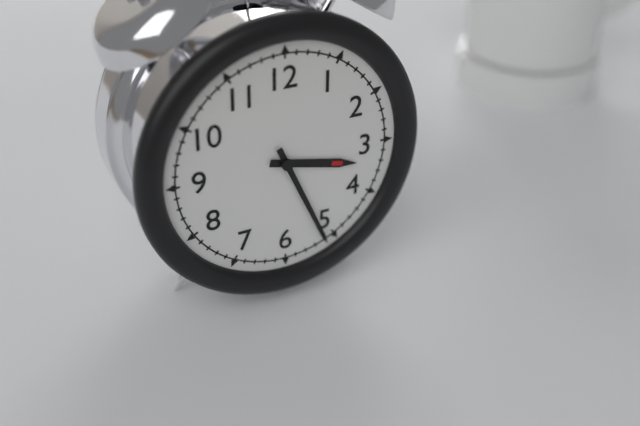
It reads h=3 m=26
